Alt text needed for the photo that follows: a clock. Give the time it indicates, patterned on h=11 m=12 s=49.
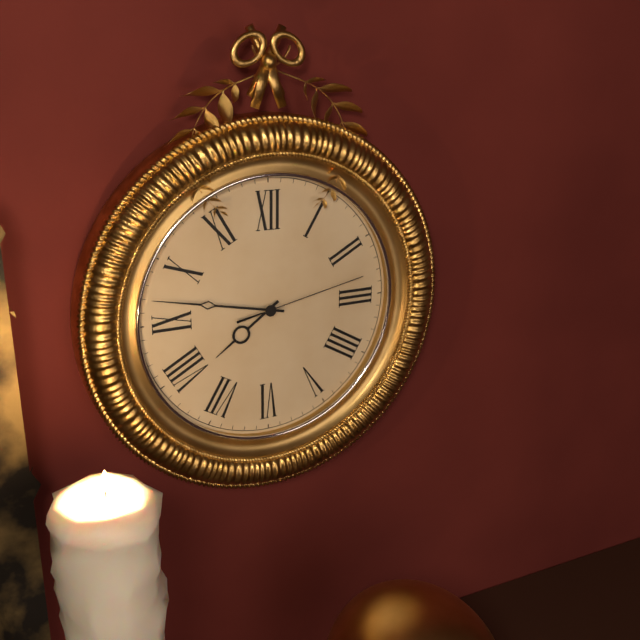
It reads h=7 m=47 s=13
